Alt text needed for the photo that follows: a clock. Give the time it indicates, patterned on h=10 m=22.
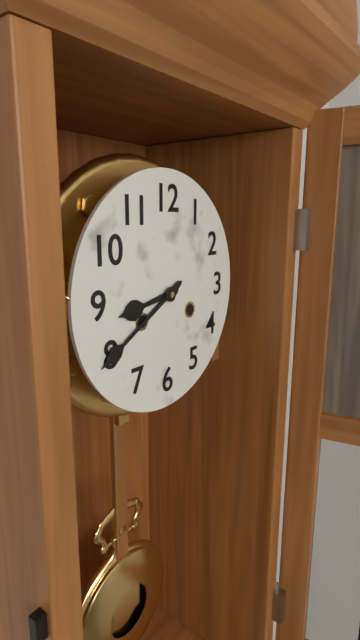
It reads h=8 m=40
